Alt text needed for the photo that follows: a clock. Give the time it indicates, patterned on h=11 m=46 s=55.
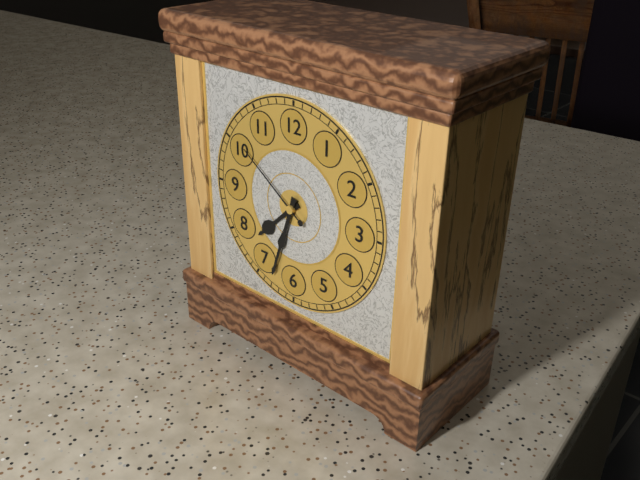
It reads h=7 m=33 s=51
